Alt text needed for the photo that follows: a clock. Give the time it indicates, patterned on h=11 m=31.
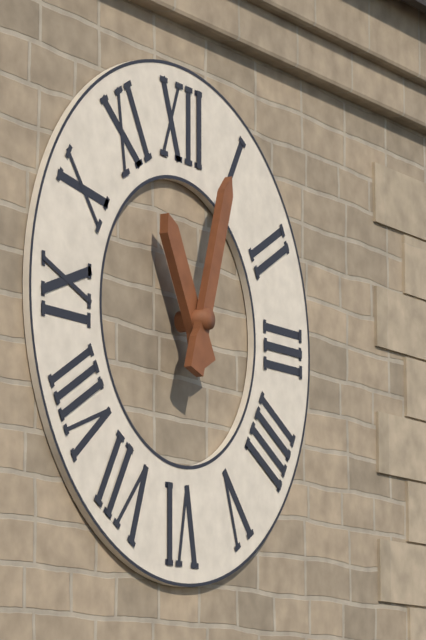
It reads h=11 m=3
